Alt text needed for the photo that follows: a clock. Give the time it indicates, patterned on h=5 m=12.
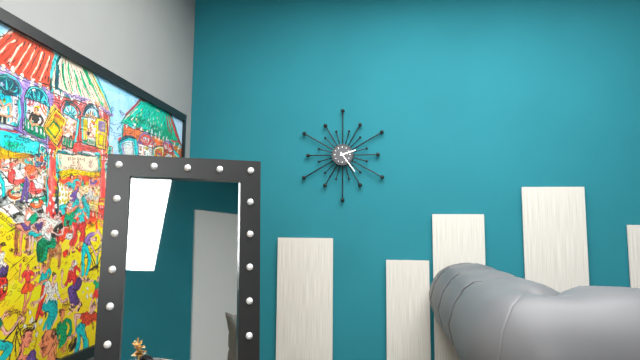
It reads h=2 m=24
